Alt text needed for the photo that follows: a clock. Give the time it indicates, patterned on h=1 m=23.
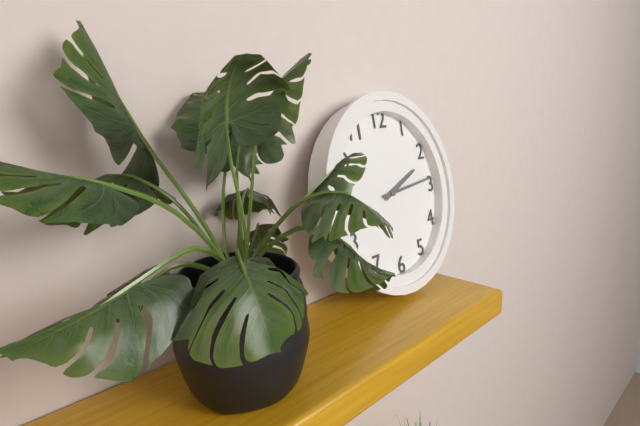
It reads h=2 m=14
